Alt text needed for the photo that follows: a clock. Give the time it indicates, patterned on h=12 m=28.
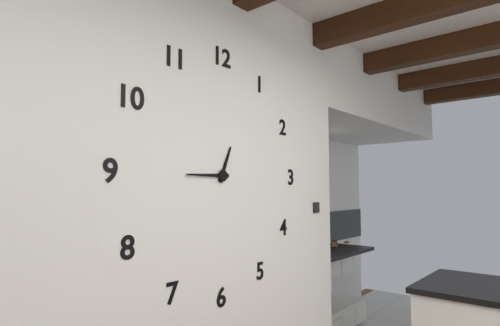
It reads h=12 m=45
